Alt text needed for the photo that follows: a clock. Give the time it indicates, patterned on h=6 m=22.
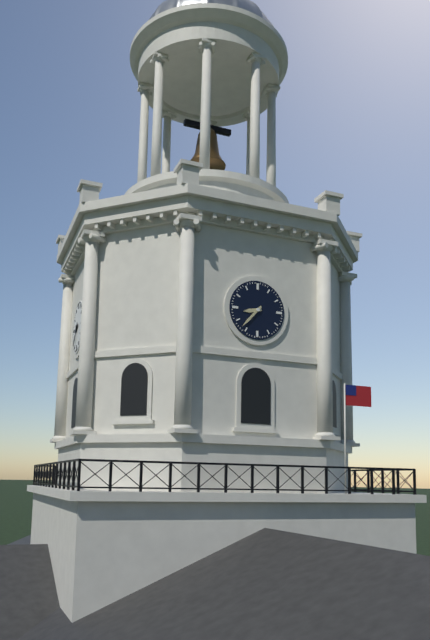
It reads h=8 m=37
